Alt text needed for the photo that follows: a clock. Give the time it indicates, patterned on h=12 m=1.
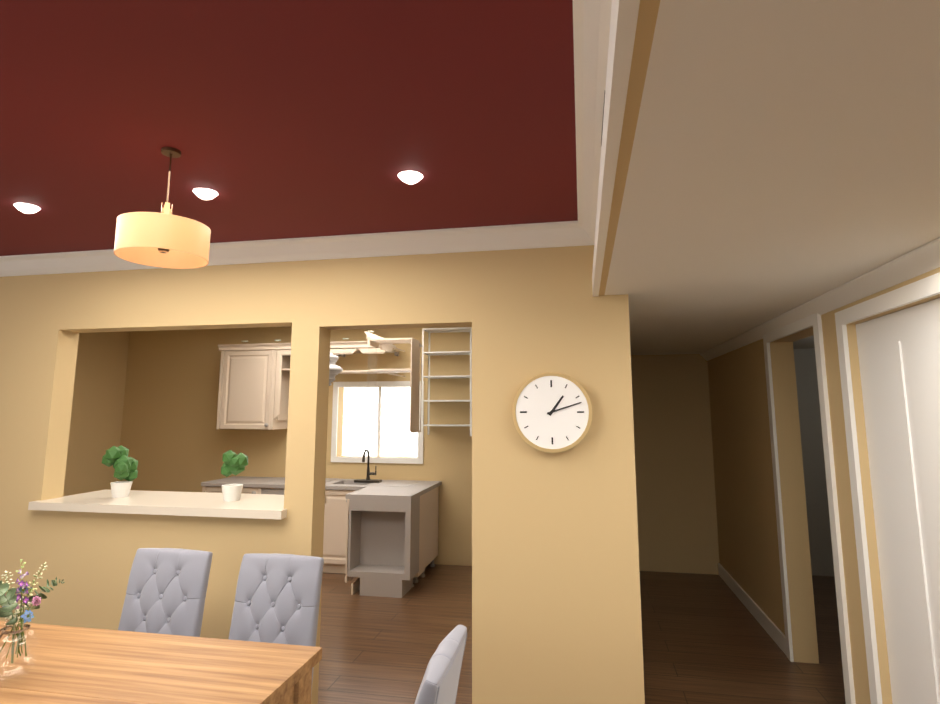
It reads h=1 m=12
